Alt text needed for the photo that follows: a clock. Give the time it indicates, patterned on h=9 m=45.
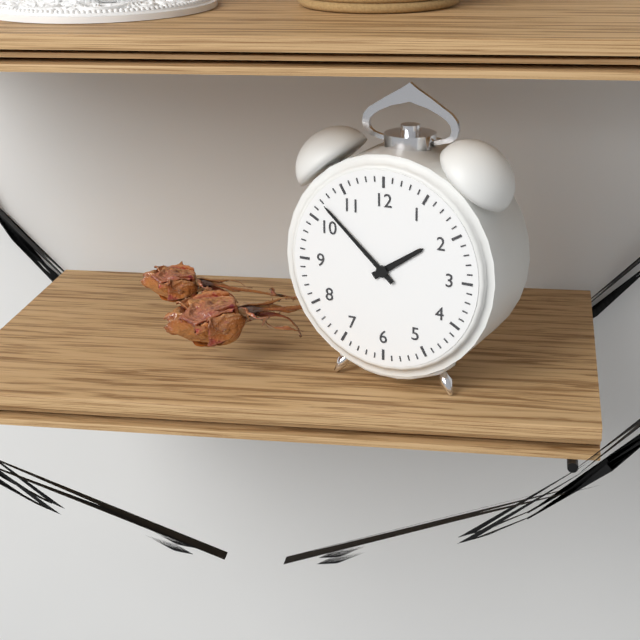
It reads h=1 m=52
